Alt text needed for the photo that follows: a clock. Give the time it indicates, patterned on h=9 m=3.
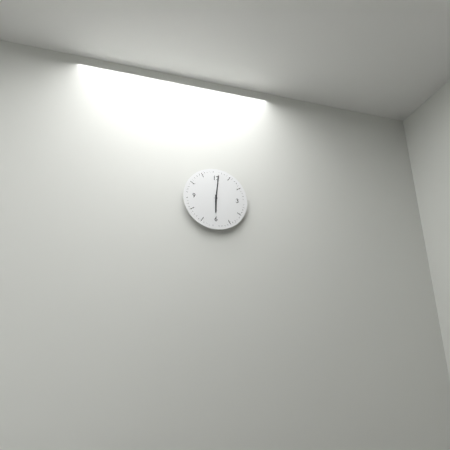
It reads h=6 m=1
